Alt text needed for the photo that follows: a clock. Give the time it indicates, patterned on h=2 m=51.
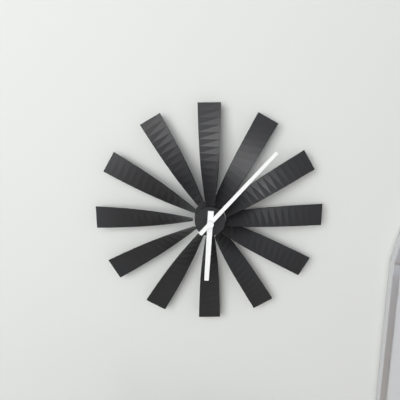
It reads h=6 m=7
